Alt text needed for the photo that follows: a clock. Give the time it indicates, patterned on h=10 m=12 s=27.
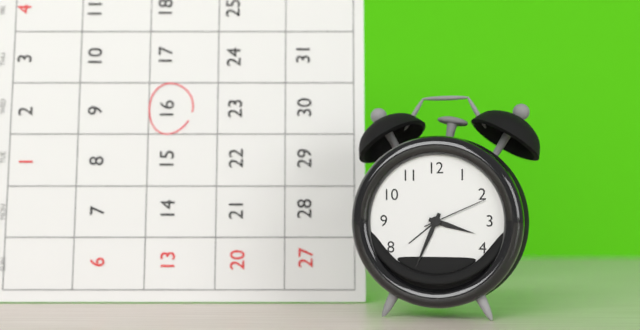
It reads h=3 m=34 s=11
